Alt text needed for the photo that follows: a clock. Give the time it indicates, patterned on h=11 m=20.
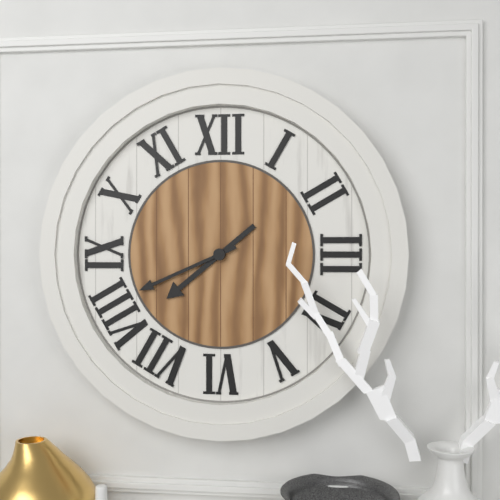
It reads h=7 m=41
